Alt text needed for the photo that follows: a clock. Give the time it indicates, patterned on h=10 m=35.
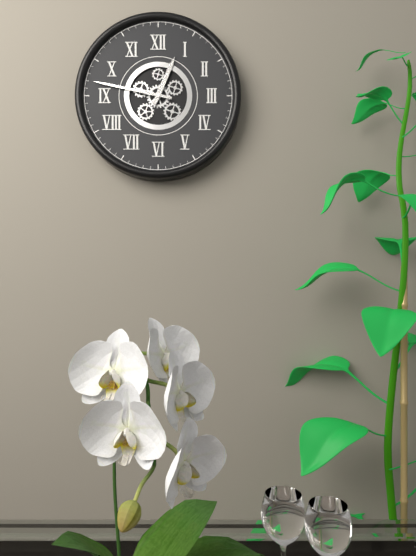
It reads h=12 m=47
